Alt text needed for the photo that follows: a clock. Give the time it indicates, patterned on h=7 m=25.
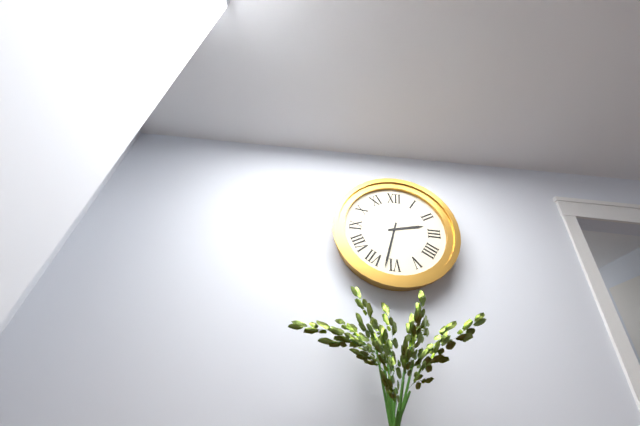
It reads h=2 m=32
